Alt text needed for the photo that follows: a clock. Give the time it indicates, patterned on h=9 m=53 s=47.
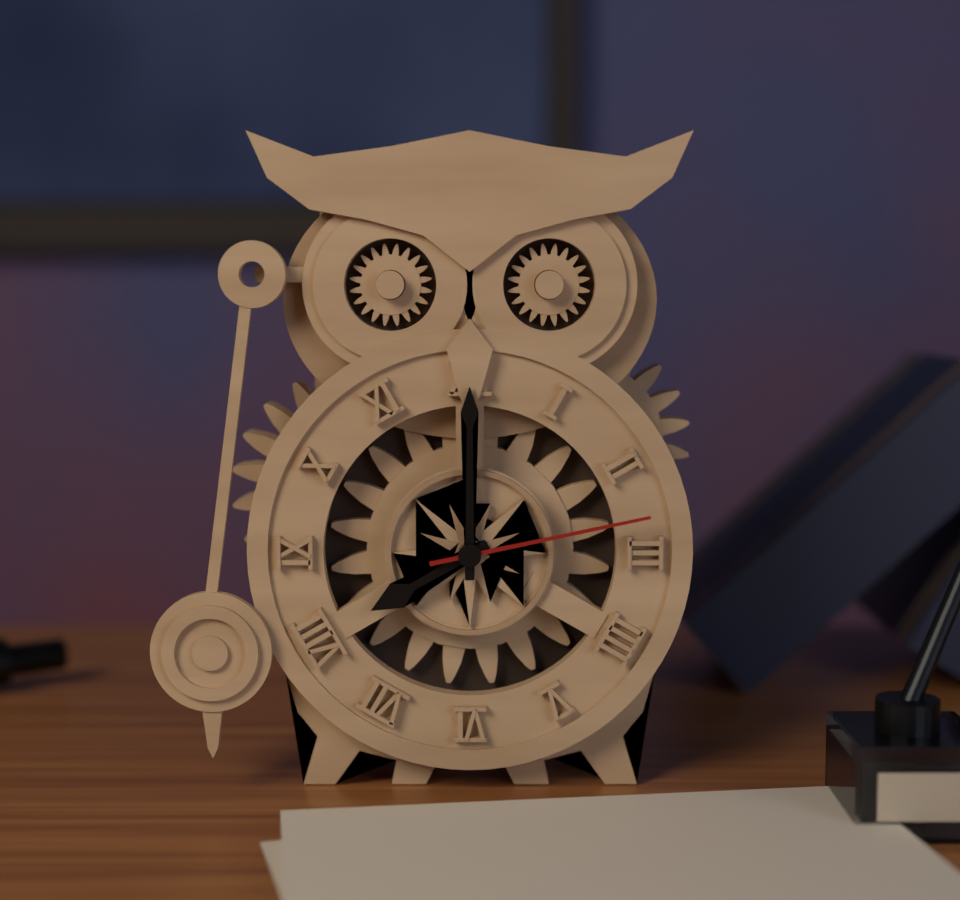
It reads h=8 m=0 s=13
